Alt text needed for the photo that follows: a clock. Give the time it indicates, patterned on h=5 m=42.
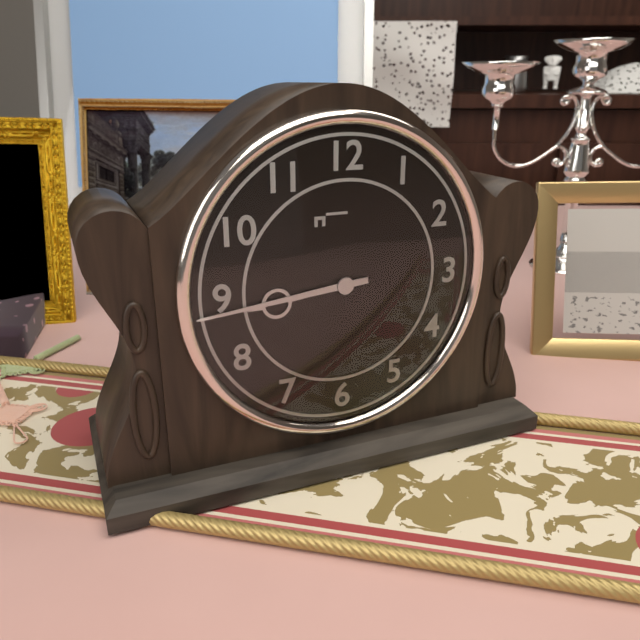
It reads h=8 m=44
